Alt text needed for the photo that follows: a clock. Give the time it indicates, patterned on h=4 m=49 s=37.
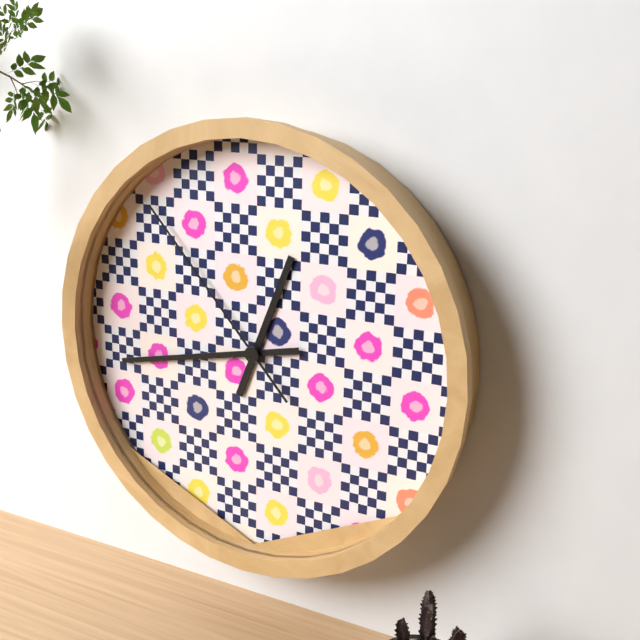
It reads h=12 m=43 s=53
